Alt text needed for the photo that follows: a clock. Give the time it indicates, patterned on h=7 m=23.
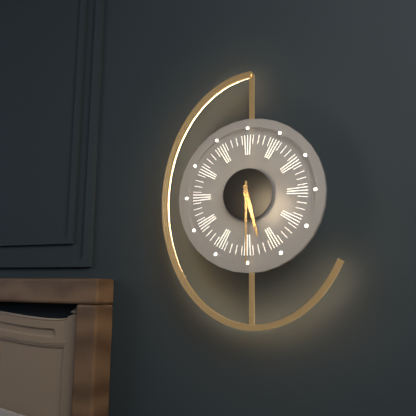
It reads h=5 m=30
